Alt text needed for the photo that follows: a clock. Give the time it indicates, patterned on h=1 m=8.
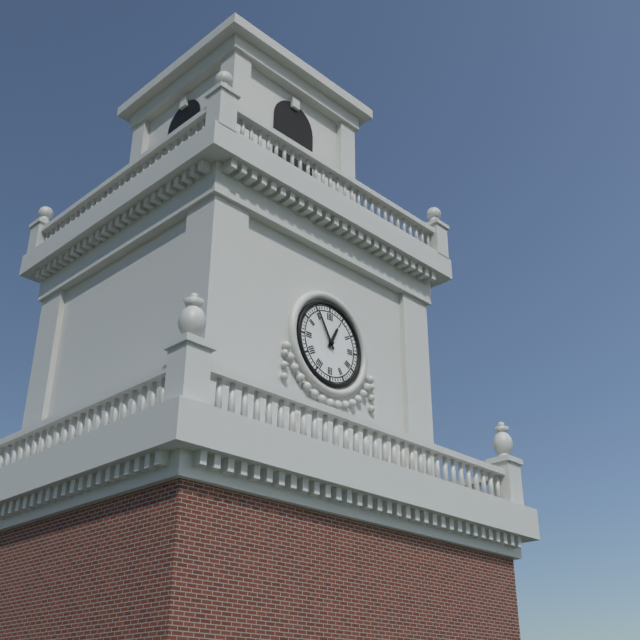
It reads h=12 m=55
